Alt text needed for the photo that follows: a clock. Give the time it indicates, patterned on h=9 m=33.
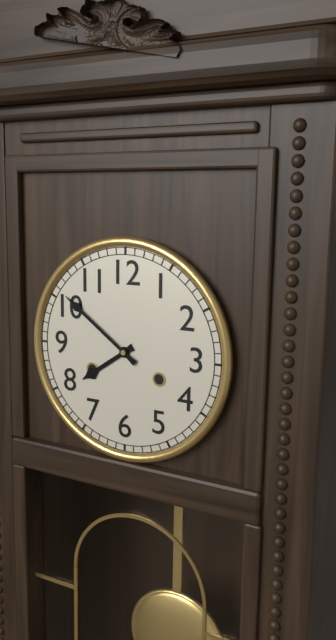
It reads h=7 m=51
